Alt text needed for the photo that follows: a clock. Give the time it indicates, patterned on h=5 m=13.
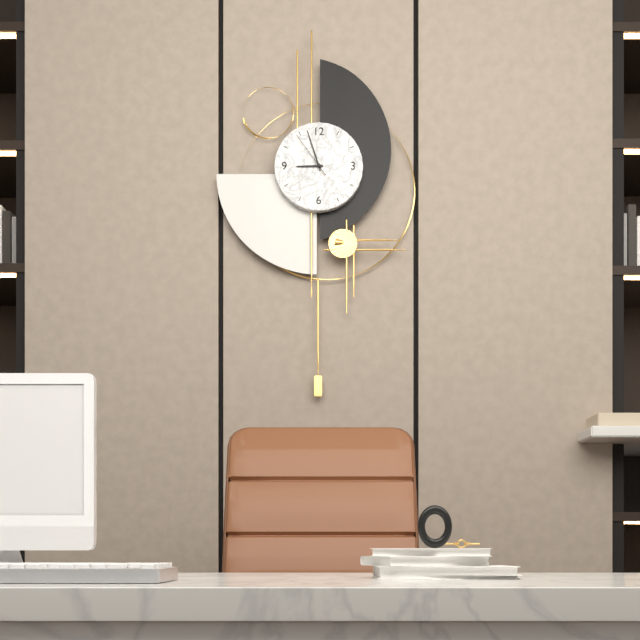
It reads h=8 m=57
